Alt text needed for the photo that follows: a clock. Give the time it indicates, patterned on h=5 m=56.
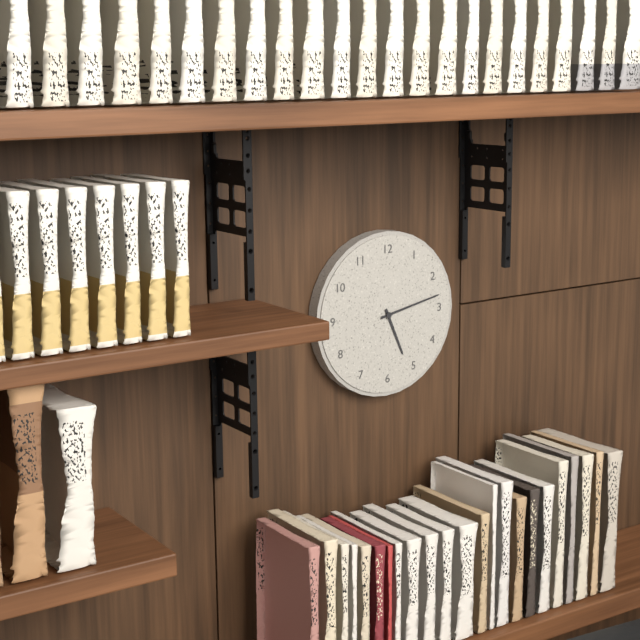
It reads h=5 m=13
